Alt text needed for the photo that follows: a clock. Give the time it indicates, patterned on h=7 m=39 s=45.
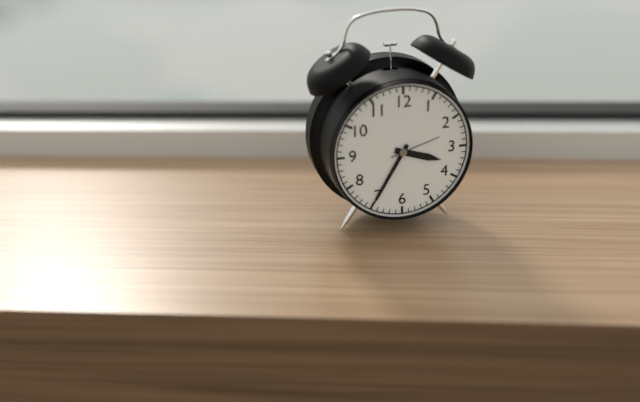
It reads h=3 m=35 s=12
